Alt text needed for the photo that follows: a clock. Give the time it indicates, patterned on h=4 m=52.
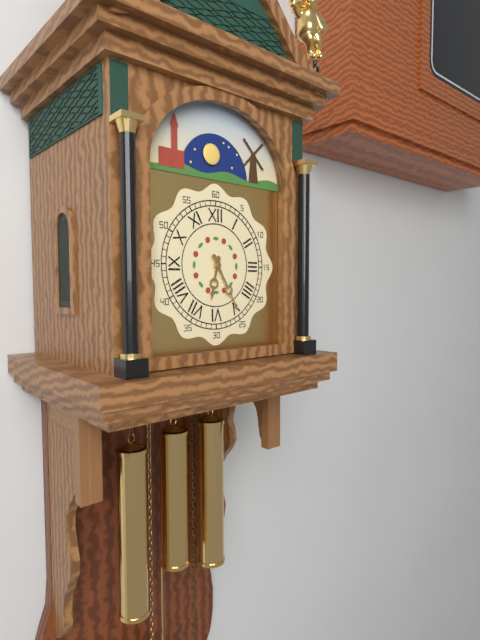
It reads h=6 m=25
